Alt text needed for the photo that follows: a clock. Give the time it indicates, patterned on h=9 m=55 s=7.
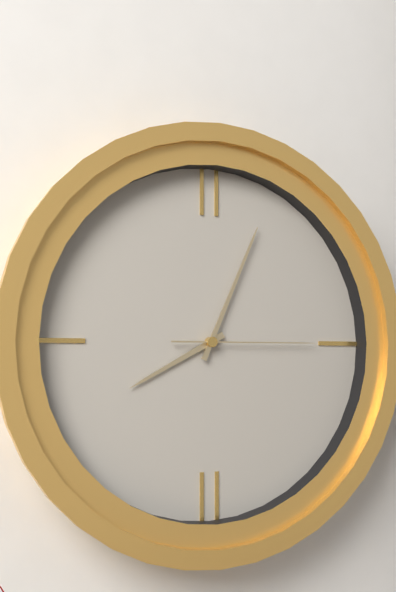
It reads h=8 m=4 s=15
